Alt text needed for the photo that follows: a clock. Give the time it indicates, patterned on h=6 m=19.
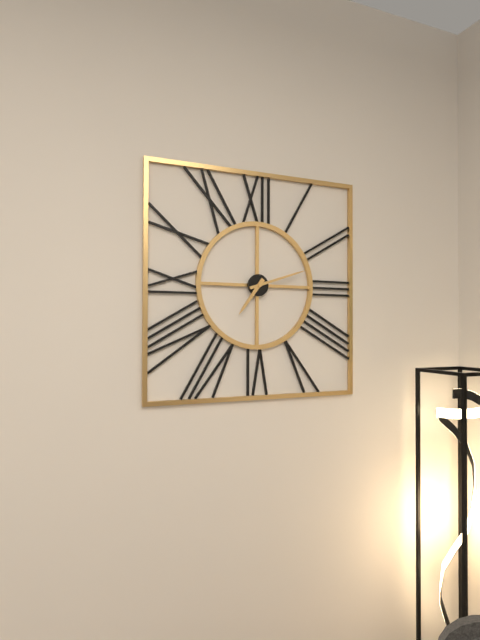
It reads h=7 m=12
